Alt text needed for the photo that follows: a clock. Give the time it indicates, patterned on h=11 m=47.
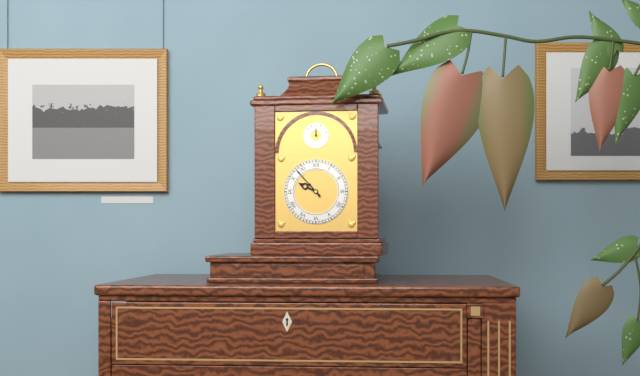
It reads h=9 m=53
